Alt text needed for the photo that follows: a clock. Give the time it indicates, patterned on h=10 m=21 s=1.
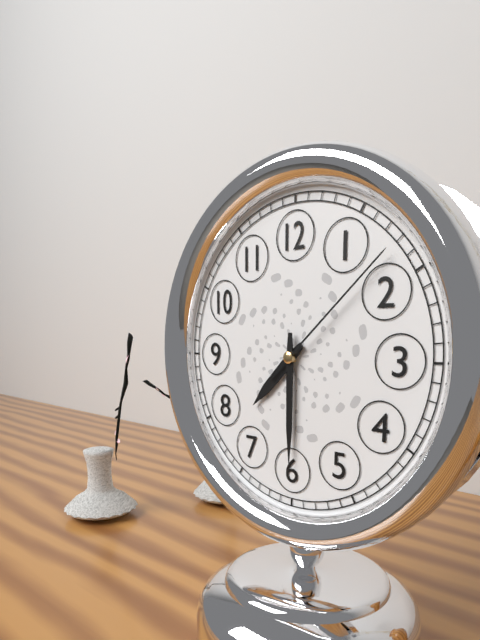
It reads h=7 m=30 s=8
